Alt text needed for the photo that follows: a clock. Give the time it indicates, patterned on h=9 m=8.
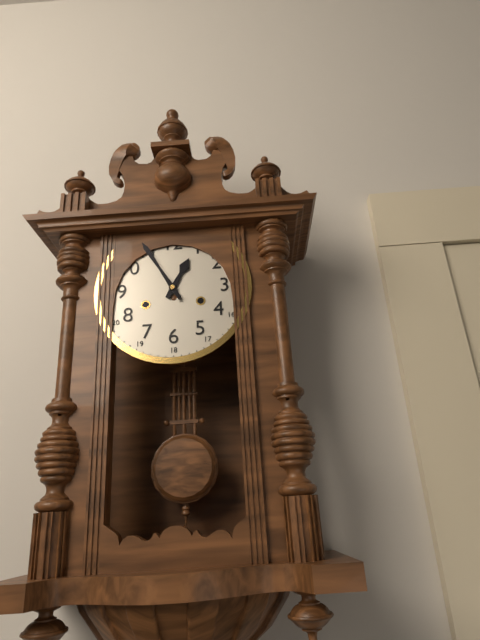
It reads h=12 m=55
